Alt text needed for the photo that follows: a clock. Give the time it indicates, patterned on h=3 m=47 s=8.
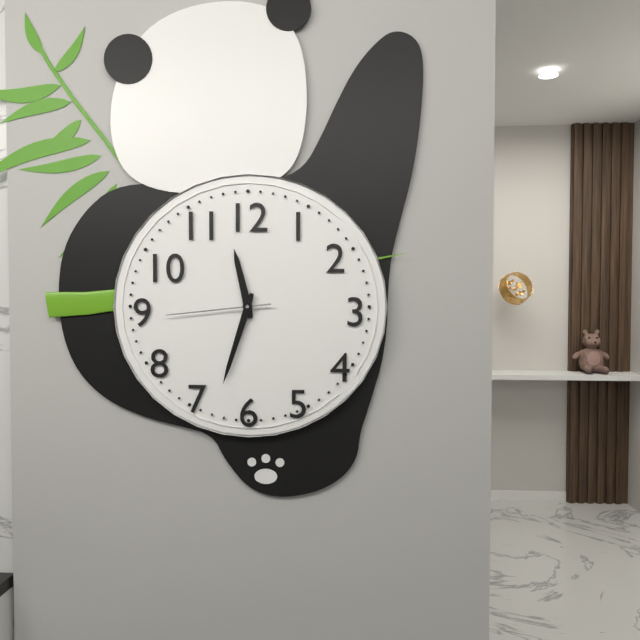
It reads h=11 m=33 s=44
